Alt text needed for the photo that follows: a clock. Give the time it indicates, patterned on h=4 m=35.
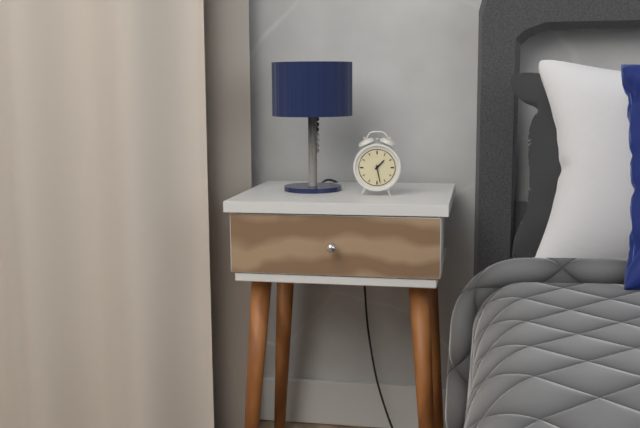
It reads h=1 m=28
